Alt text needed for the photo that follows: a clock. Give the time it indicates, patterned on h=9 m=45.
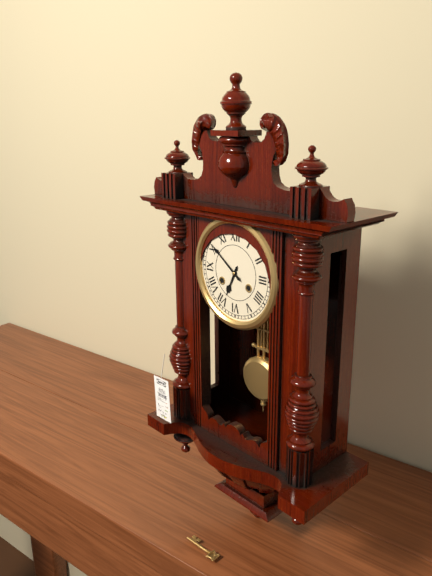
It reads h=6 m=51
